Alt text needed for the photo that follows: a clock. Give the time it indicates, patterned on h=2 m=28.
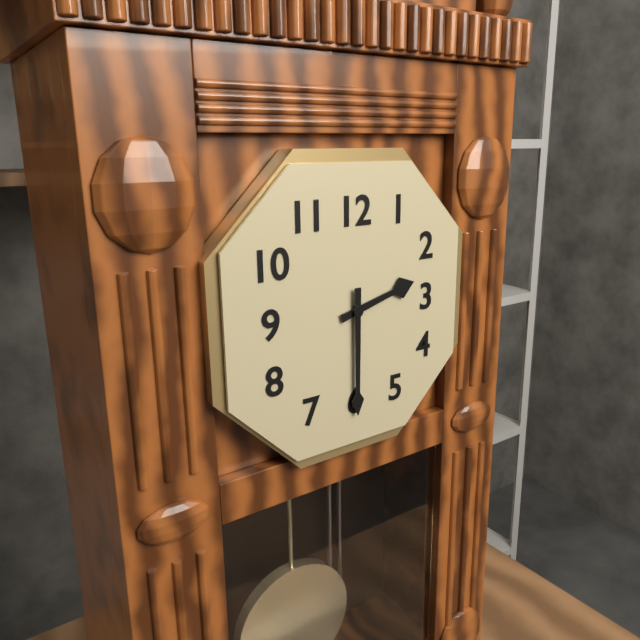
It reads h=2 m=30
